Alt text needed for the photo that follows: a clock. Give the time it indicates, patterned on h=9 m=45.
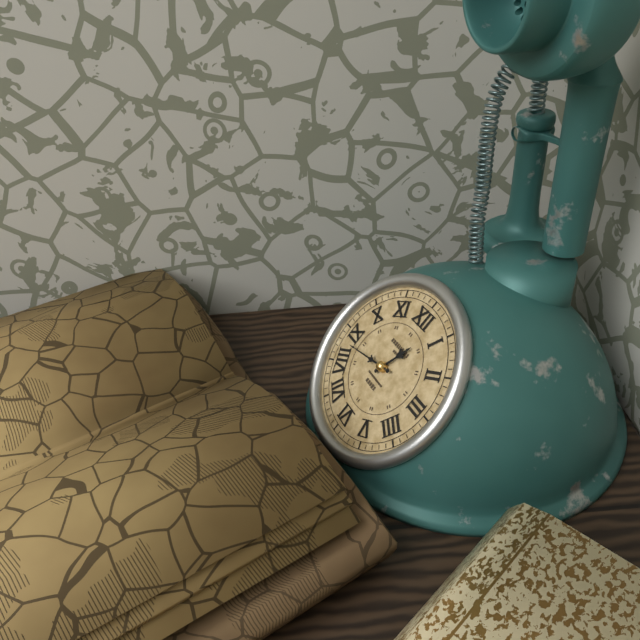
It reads h=12 m=43
